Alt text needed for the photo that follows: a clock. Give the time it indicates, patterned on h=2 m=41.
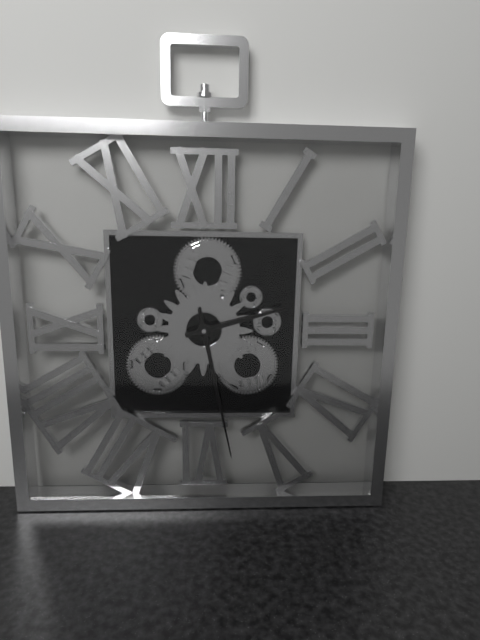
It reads h=2 m=28
